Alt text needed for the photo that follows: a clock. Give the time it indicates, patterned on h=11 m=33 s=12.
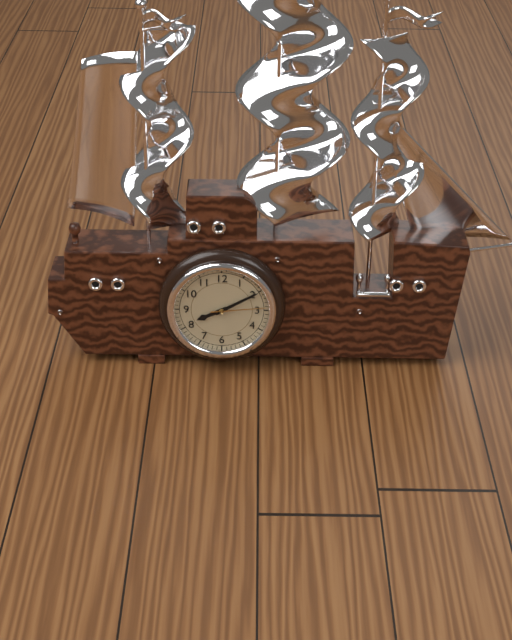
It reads h=8 m=10 s=14
